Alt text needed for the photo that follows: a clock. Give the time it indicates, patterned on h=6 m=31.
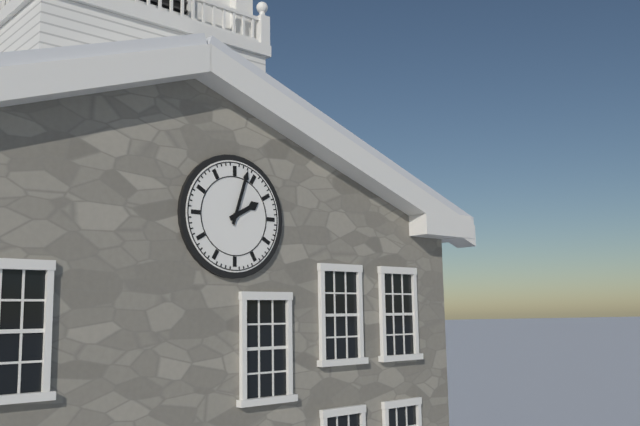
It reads h=2 m=3
